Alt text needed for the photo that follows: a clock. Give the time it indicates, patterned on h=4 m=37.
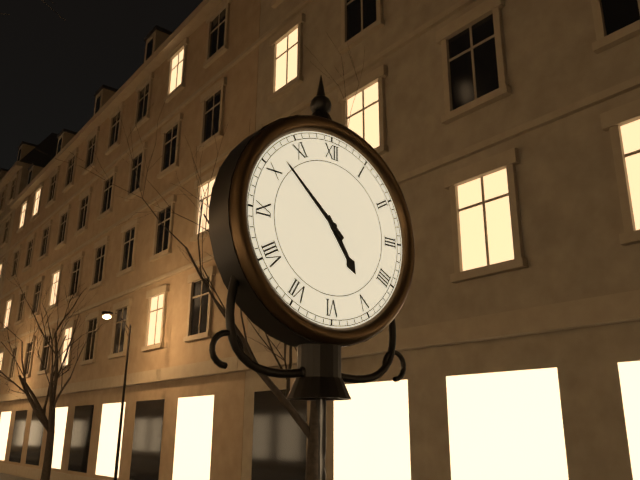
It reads h=4 m=52
